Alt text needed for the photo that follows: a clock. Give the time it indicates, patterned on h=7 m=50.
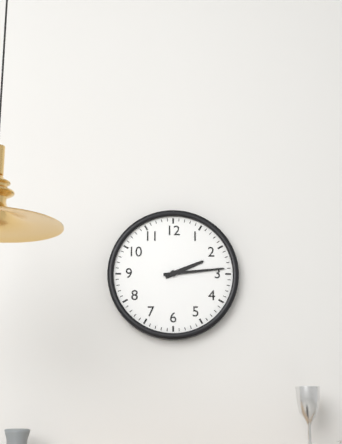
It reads h=2 m=14
